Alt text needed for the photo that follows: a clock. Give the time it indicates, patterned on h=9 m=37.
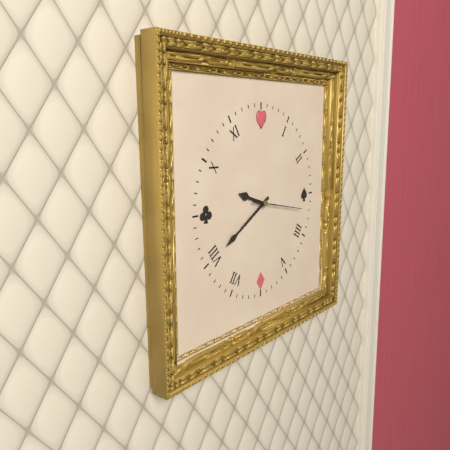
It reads h=9 m=40
